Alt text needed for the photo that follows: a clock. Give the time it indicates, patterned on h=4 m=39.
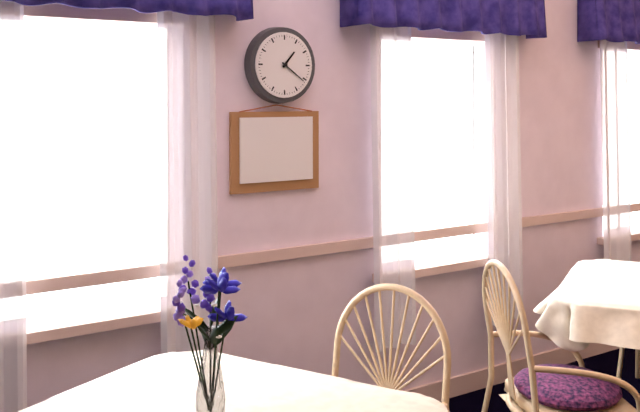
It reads h=1 m=21
